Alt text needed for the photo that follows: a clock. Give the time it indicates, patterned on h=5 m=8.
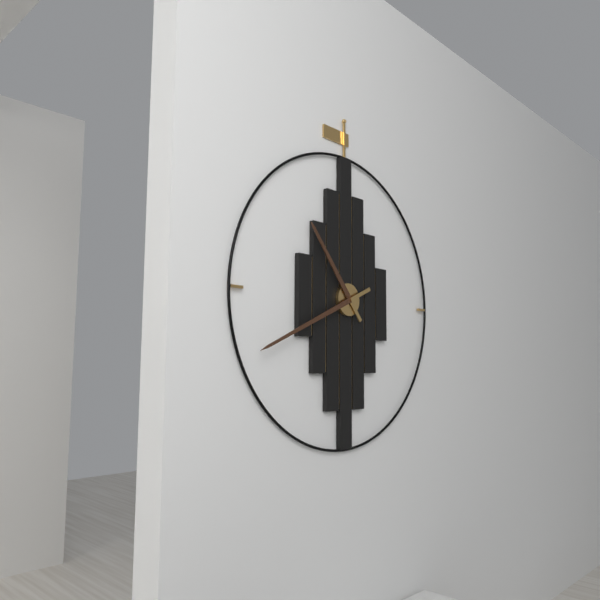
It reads h=10 m=41
